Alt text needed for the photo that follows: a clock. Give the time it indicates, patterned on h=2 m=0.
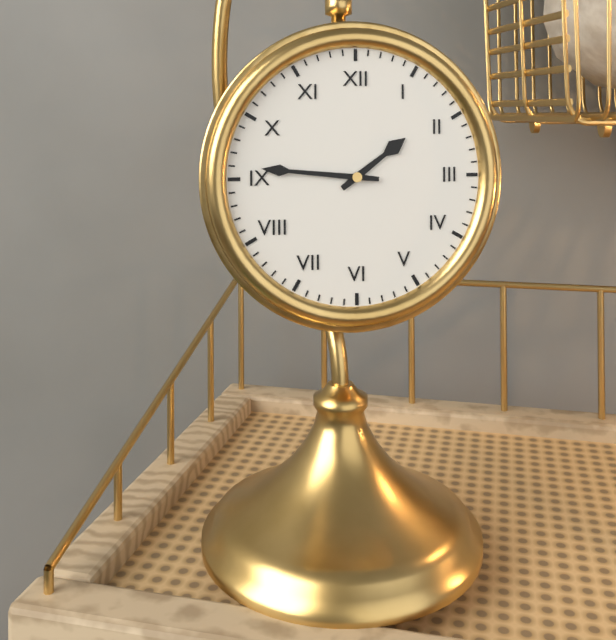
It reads h=1 m=46
